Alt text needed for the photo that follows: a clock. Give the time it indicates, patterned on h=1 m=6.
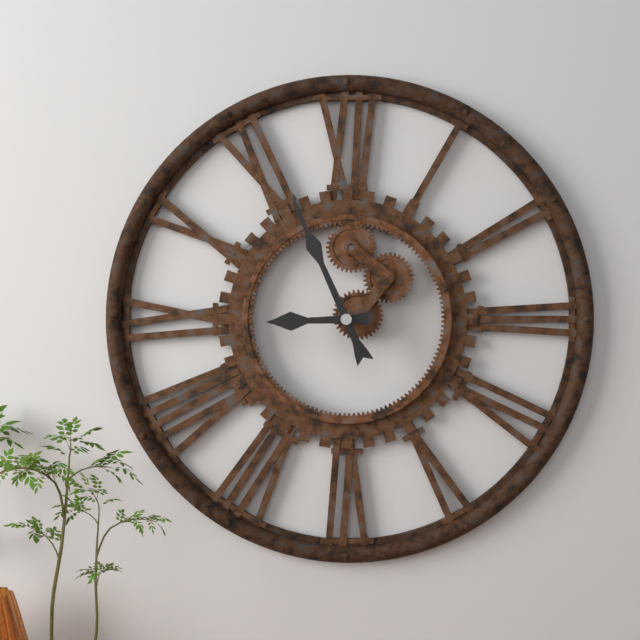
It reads h=8 m=56
